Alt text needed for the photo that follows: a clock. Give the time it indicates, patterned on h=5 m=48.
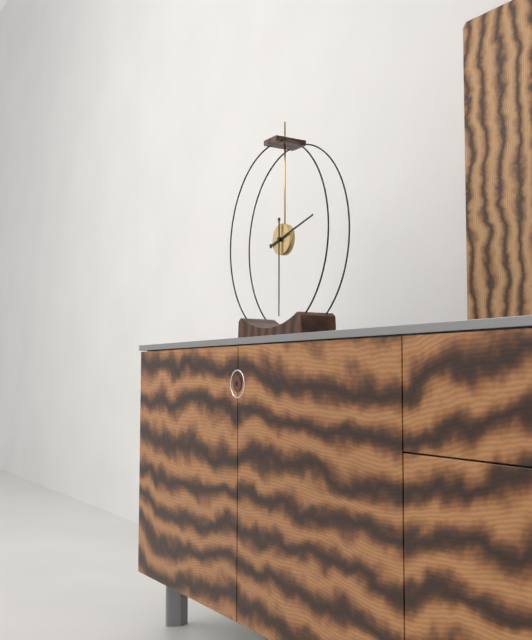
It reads h=2 m=30
